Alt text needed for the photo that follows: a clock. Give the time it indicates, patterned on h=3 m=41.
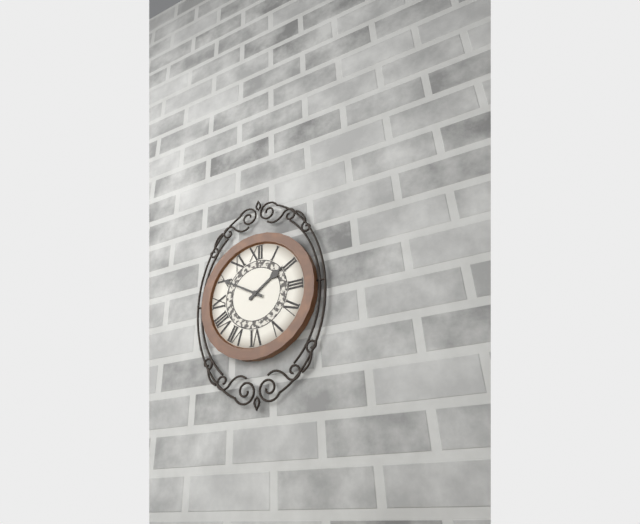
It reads h=1 m=50
